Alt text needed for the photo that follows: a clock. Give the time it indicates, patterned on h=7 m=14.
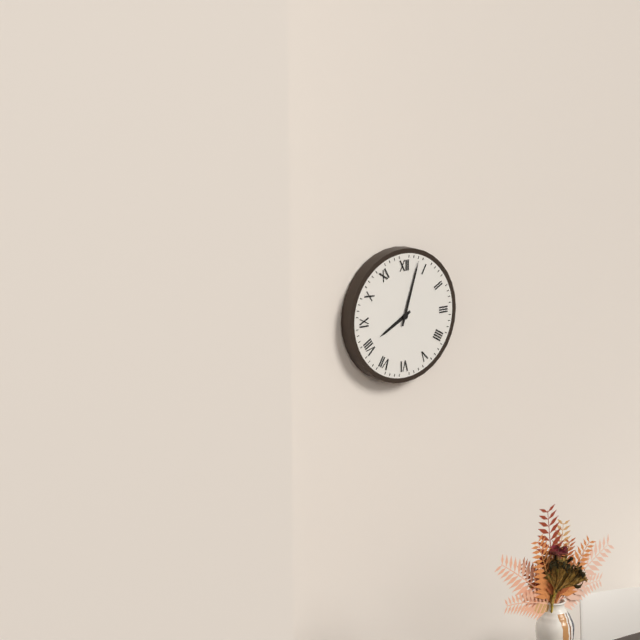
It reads h=8 m=3
